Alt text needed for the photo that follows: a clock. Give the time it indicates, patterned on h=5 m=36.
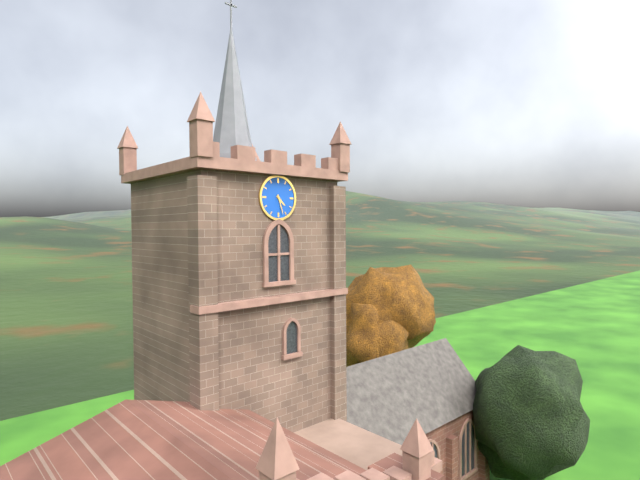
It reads h=4 m=27
